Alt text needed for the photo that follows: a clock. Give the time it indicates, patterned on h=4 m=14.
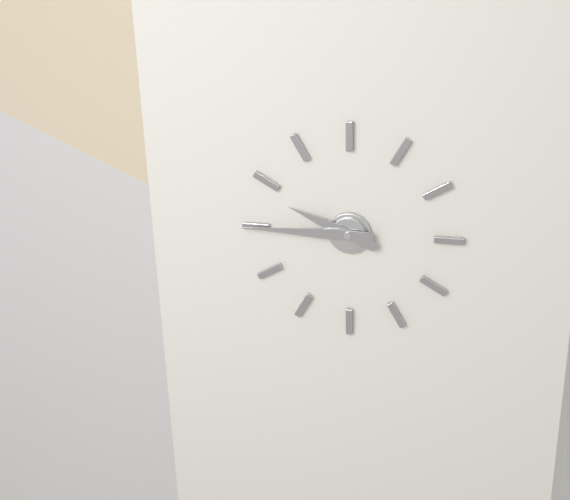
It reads h=9 m=45
